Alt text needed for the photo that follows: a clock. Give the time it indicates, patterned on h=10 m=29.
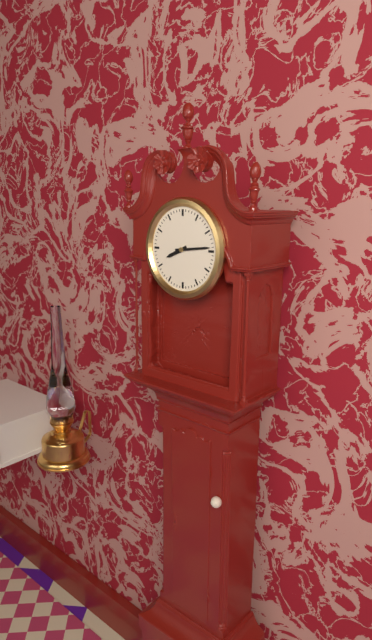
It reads h=8 m=14
